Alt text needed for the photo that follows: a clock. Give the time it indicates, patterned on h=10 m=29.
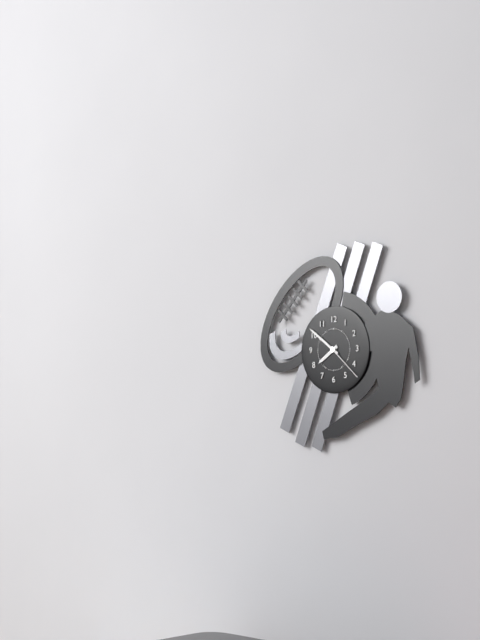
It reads h=7 m=51
